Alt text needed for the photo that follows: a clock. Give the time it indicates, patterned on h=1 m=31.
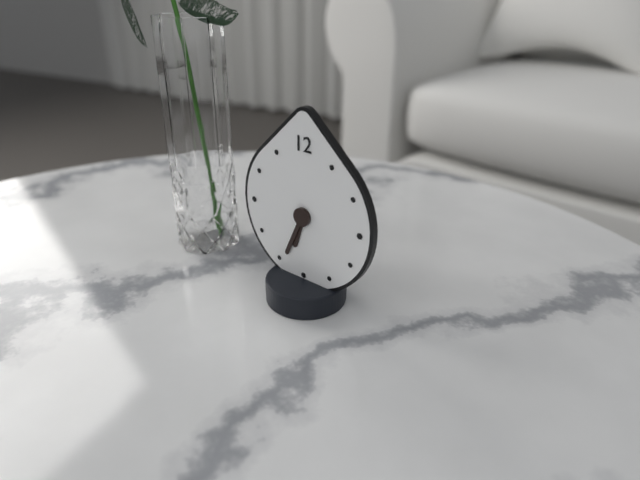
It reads h=6 m=34
